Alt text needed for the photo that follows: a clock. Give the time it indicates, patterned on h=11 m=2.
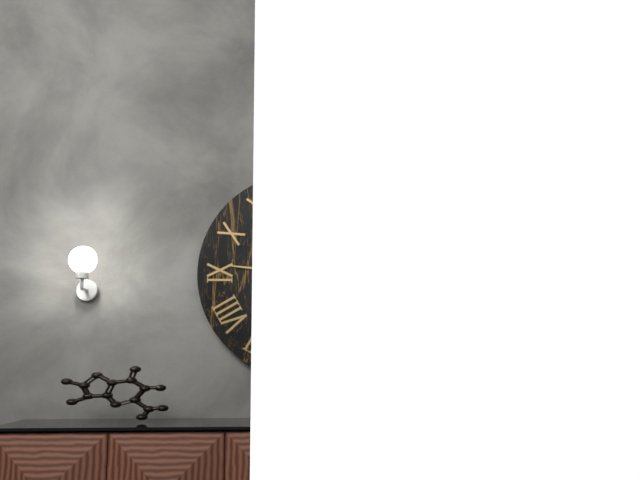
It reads h=11 m=46
